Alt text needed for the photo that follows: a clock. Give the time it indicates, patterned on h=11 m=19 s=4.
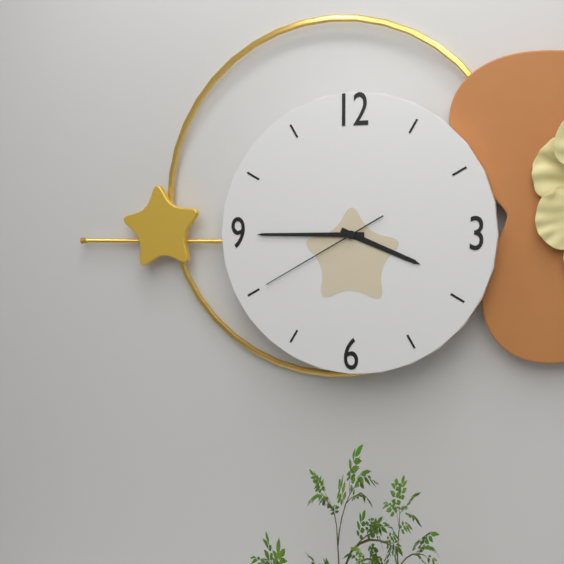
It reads h=3 m=45 s=40
